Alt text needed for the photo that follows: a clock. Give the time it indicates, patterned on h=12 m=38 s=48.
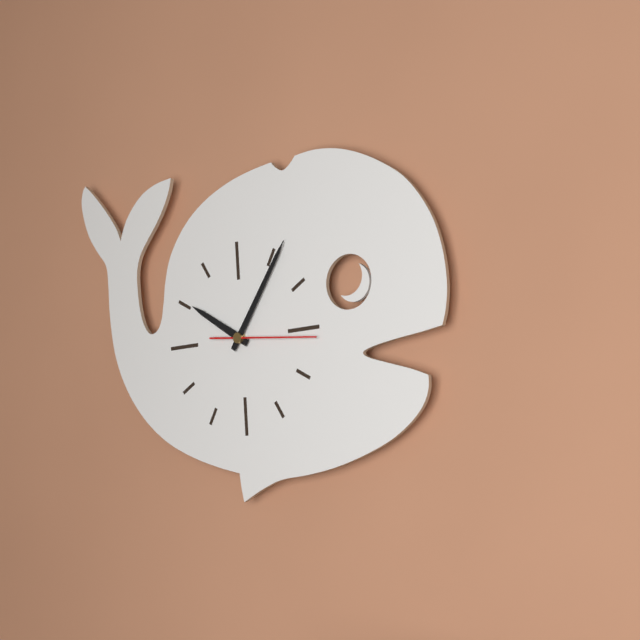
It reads h=10 m=6 s=16
